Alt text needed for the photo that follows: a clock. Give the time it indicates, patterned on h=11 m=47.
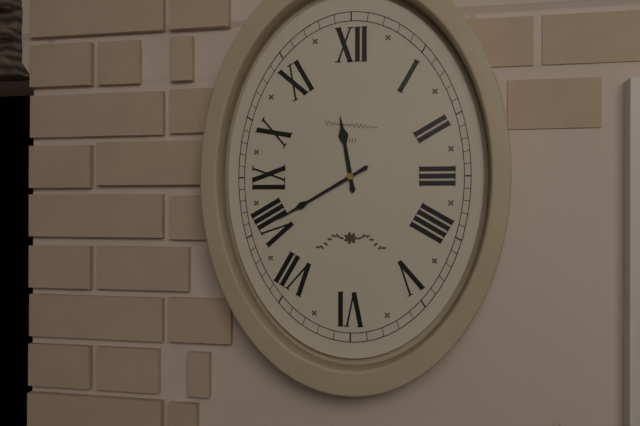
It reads h=11 m=40
